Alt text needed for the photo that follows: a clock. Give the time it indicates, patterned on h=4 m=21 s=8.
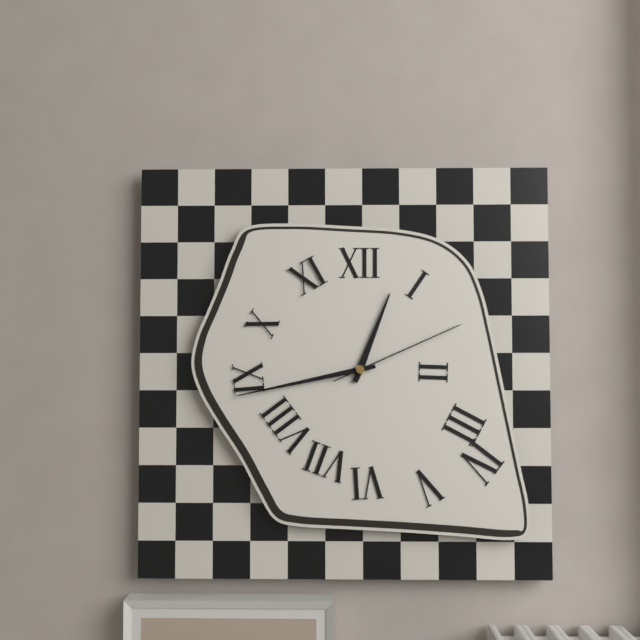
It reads h=12 m=43 s=11
